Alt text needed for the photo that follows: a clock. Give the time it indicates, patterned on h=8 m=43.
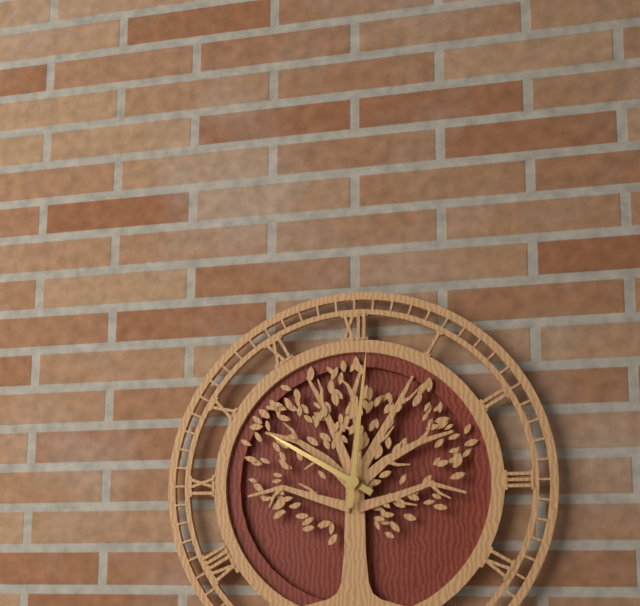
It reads h=10 m=1
